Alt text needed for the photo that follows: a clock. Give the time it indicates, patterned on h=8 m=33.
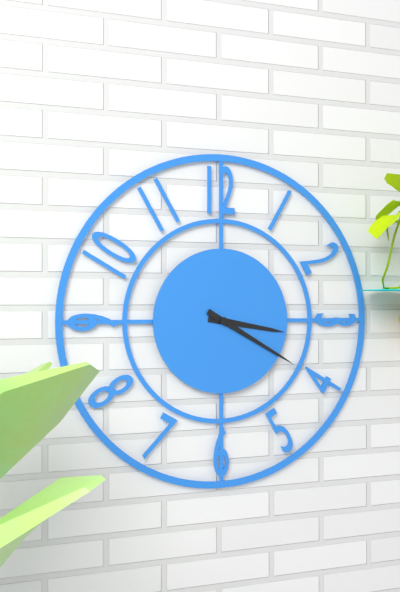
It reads h=3 m=20
